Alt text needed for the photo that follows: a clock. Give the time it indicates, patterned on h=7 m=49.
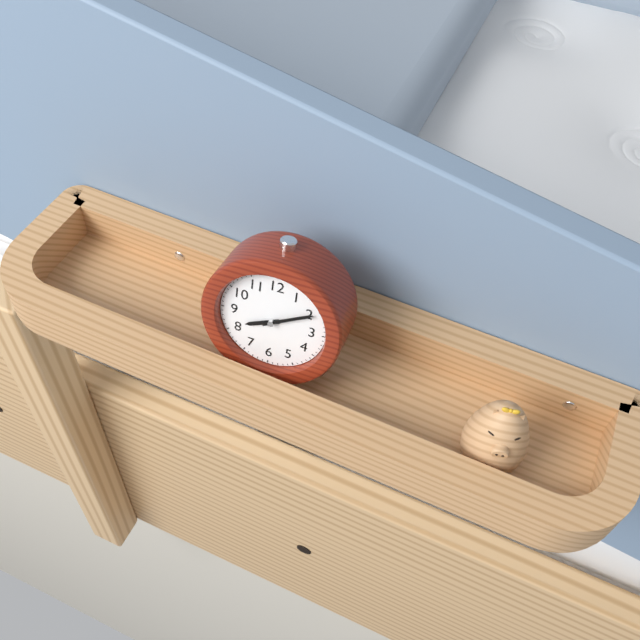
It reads h=8 m=10
